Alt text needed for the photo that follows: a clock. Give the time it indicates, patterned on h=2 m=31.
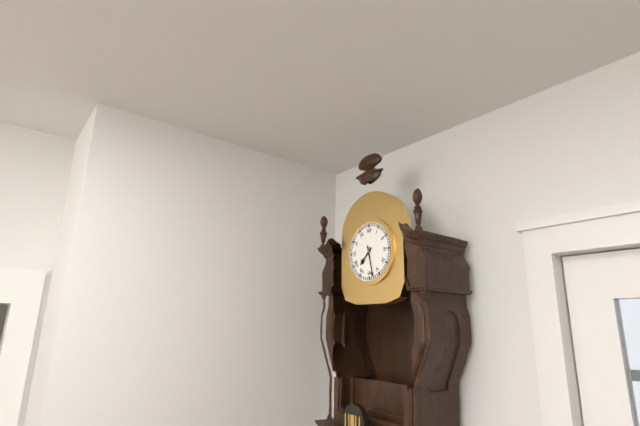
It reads h=7 m=28
